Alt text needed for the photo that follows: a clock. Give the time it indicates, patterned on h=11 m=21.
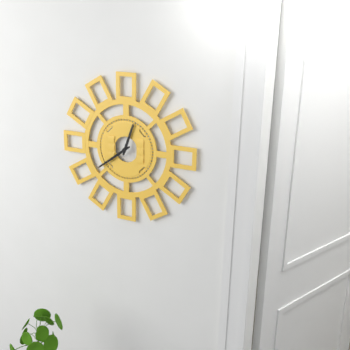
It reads h=12 m=39
